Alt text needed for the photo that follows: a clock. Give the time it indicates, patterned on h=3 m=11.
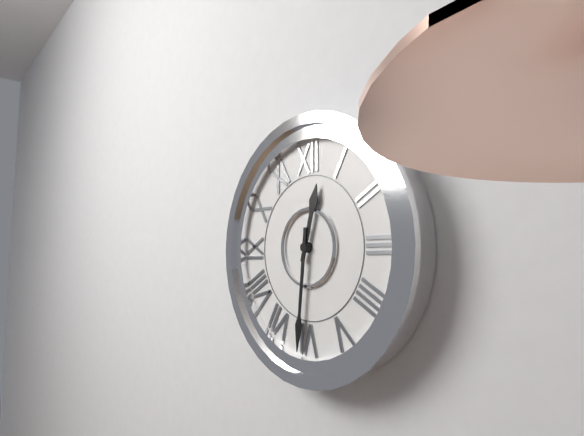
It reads h=12 m=31
